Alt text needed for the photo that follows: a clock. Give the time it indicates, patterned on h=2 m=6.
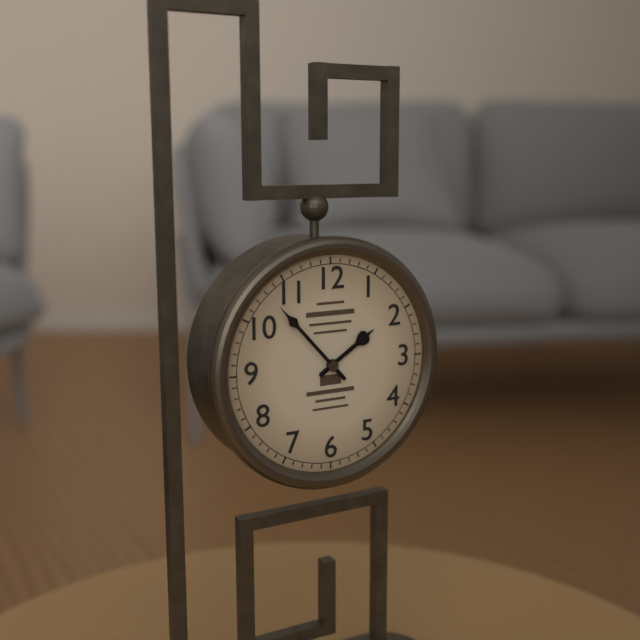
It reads h=1 m=53
